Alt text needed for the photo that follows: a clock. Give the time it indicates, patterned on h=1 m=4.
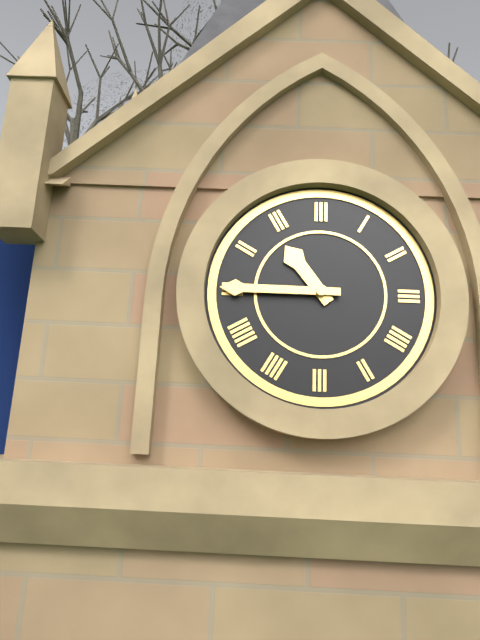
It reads h=10 m=45
